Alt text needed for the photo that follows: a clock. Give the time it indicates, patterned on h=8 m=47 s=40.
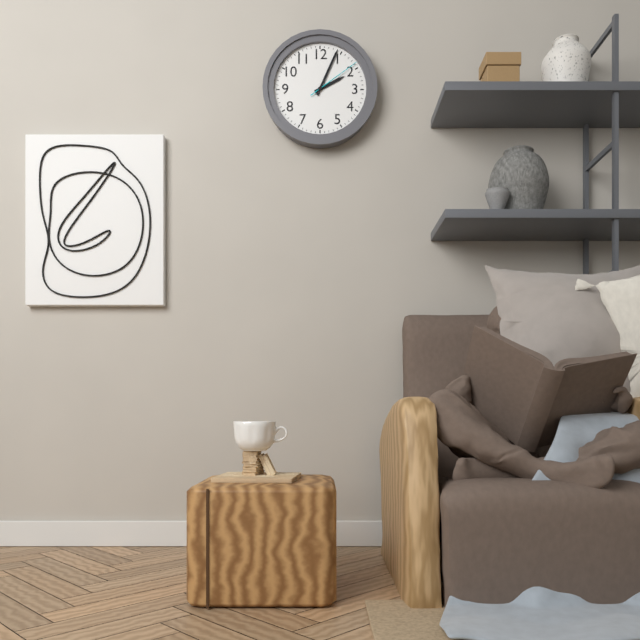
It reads h=2 m=4 s=9
